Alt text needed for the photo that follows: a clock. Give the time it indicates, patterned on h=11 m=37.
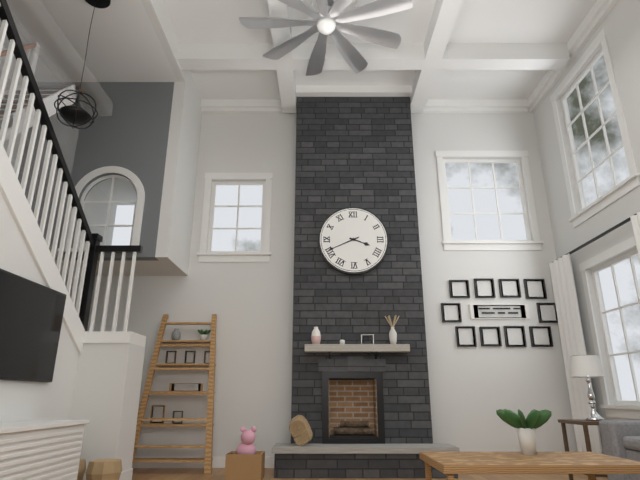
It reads h=3 m=41
